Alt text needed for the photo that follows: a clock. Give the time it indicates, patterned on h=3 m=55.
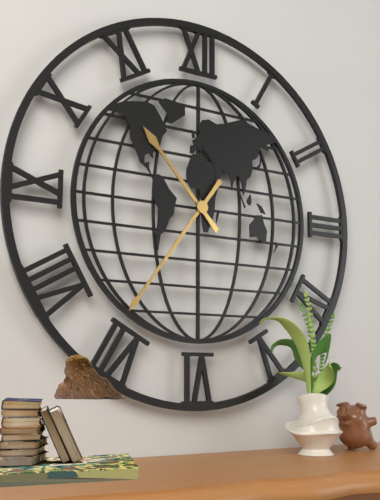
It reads h=10 m=36
